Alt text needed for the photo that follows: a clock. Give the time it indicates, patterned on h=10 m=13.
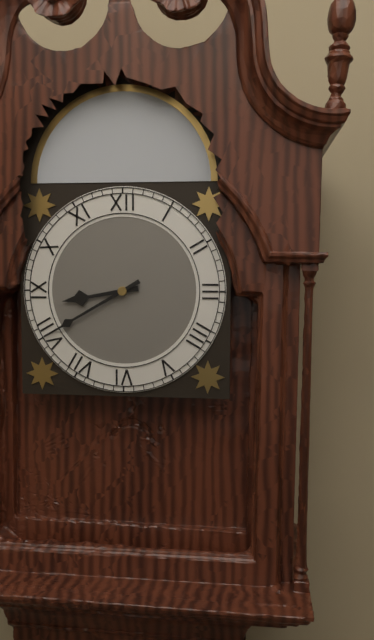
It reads h=8 m=40
